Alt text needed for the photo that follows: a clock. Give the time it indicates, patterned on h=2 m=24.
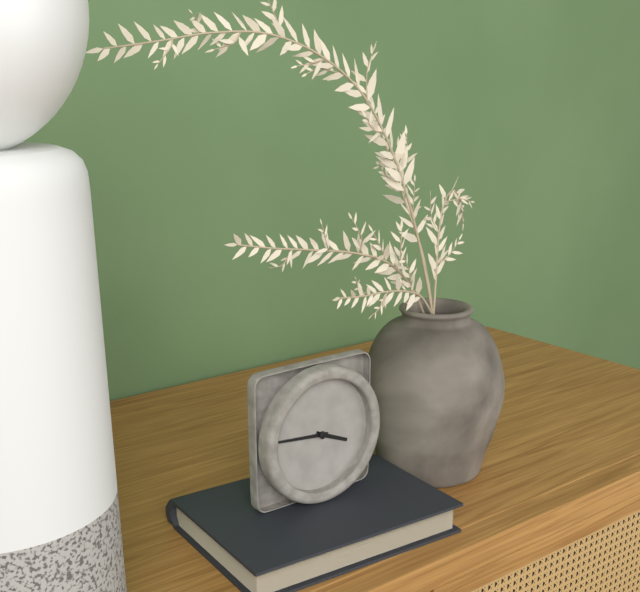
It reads h=3 m=46
